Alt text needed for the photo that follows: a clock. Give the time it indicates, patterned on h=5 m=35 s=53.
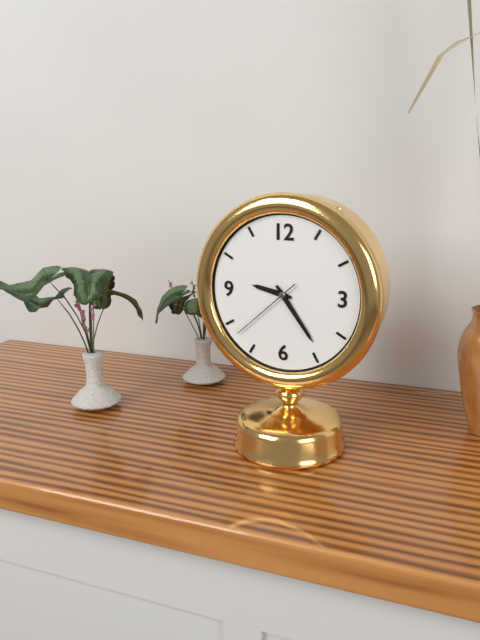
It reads h=9 m=24 s=38
